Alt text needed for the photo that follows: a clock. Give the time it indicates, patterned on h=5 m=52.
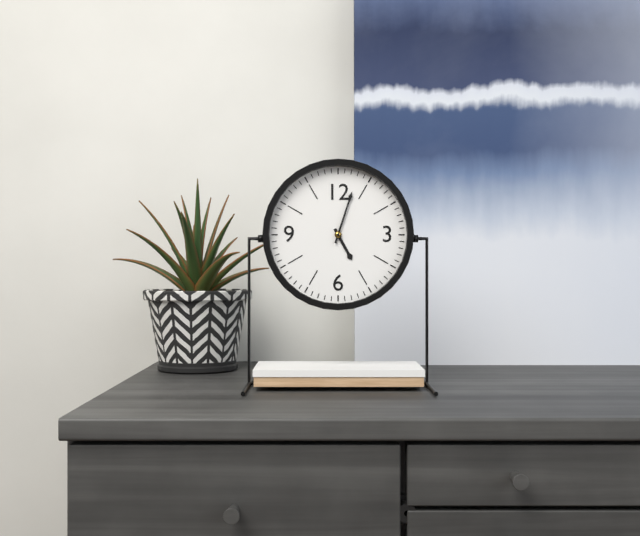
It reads h=5 m=3
